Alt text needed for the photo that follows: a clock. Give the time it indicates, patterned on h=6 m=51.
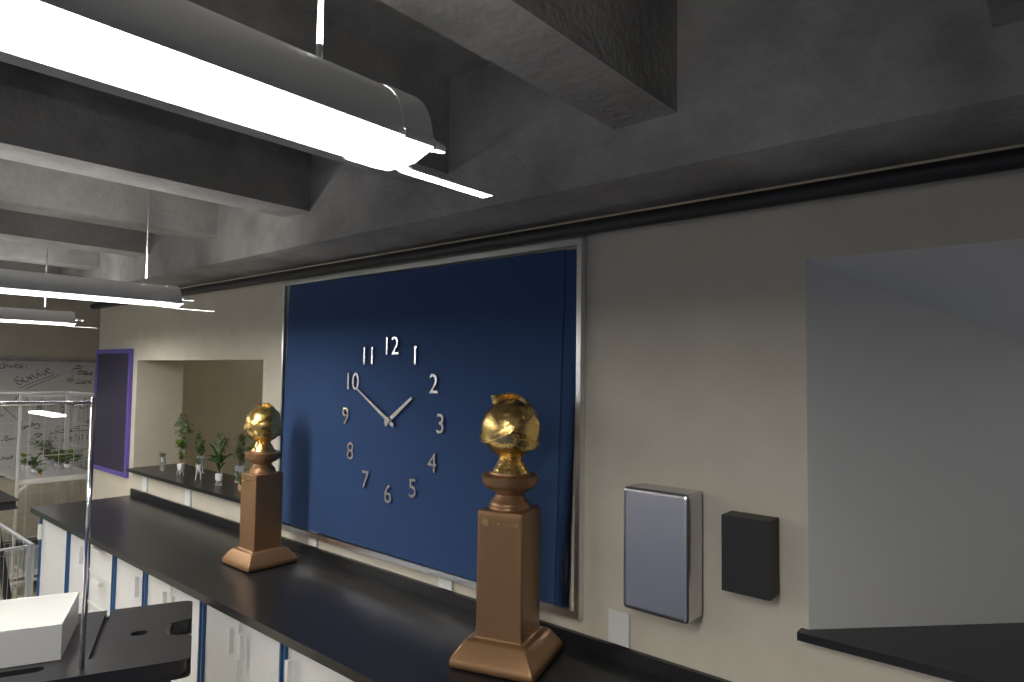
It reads h=1 m=50
